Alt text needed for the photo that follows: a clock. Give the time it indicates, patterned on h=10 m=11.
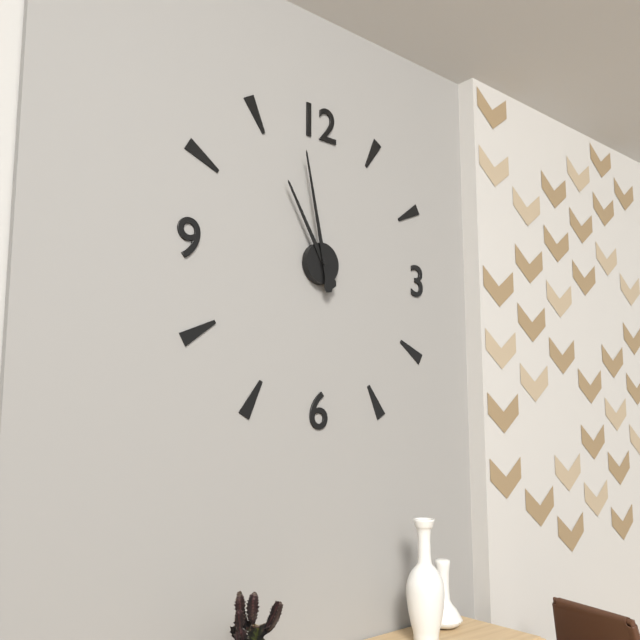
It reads h=10 m=58
